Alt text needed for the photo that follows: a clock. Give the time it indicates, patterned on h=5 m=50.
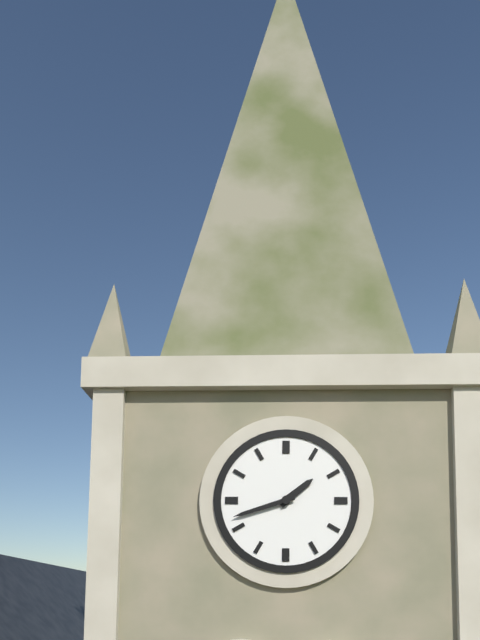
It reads h=1 m=42
